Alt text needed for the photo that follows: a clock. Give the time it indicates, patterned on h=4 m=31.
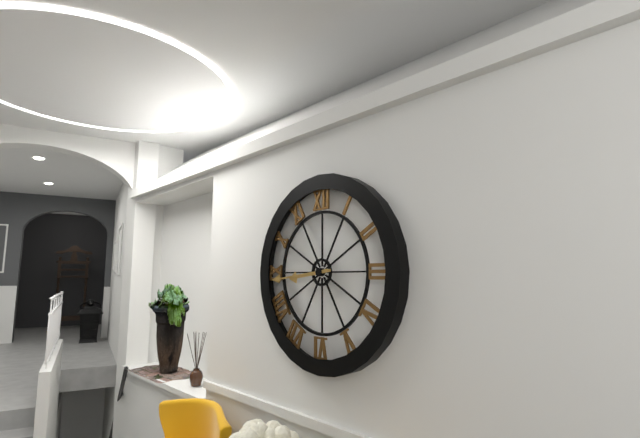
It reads h=8 m=44
